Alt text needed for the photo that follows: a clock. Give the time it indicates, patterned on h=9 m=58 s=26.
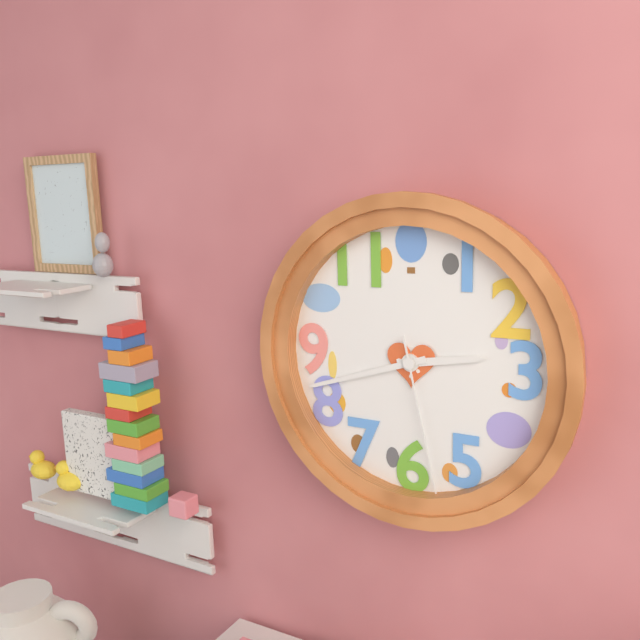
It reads h=2 m=42 s=28
